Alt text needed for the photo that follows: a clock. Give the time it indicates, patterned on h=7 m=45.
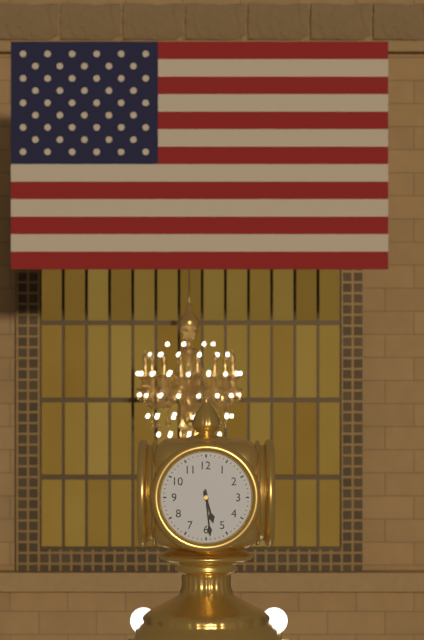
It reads h=5 m=29
